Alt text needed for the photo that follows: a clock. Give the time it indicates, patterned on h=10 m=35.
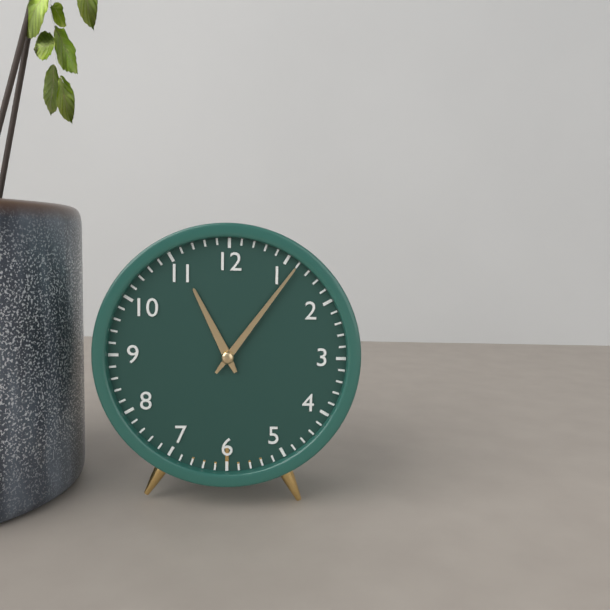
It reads h=11 m=6
